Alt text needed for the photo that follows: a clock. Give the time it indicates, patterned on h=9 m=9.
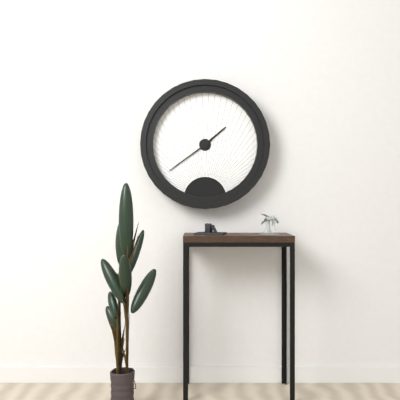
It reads h=1 m=39
